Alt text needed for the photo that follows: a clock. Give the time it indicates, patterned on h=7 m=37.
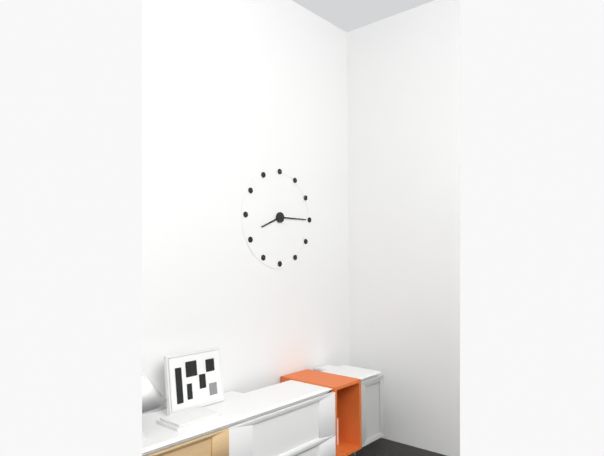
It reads h=8 m=15
